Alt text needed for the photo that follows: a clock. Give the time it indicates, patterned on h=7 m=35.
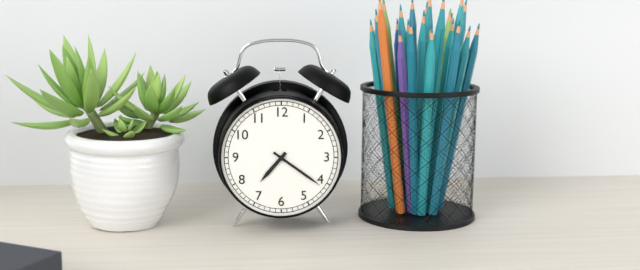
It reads h=7 m=21
